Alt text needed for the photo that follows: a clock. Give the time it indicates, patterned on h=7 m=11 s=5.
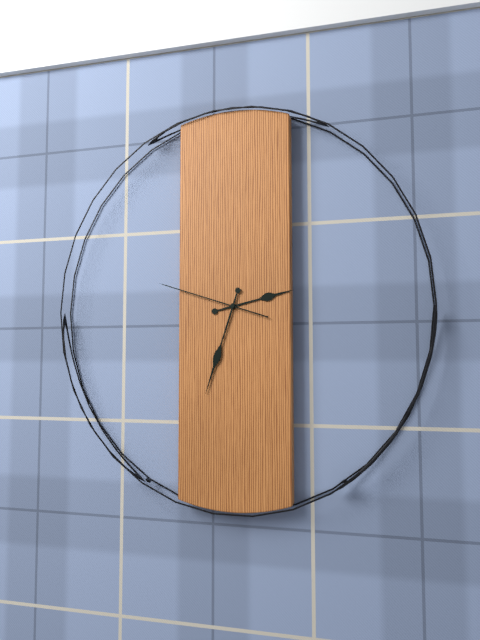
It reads h=2 m=33 s=48
